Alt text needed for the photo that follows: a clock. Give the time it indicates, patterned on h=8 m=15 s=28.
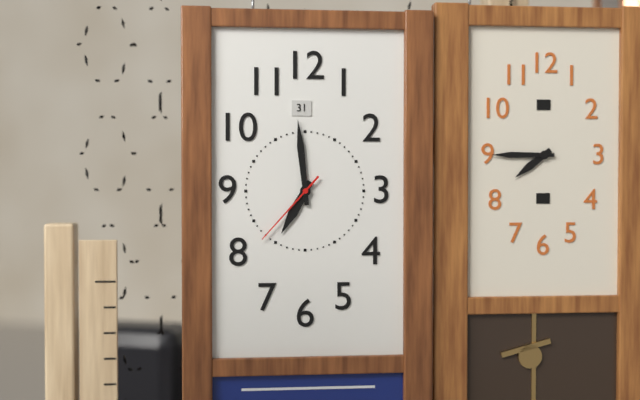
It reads h=6 m=59 s=37
